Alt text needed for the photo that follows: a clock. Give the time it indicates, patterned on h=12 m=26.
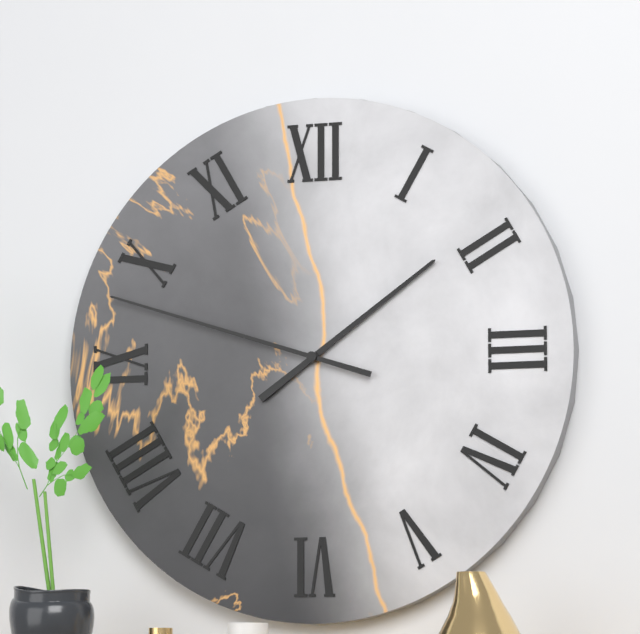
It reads h=1 m=48
